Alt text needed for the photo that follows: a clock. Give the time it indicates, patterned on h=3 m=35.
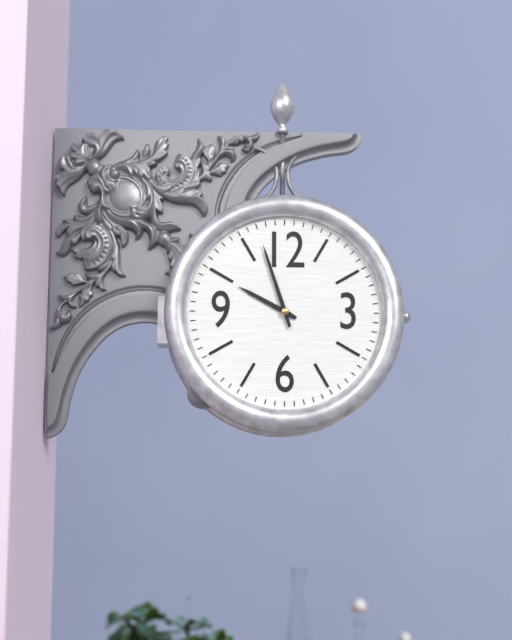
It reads h=9 m=57
